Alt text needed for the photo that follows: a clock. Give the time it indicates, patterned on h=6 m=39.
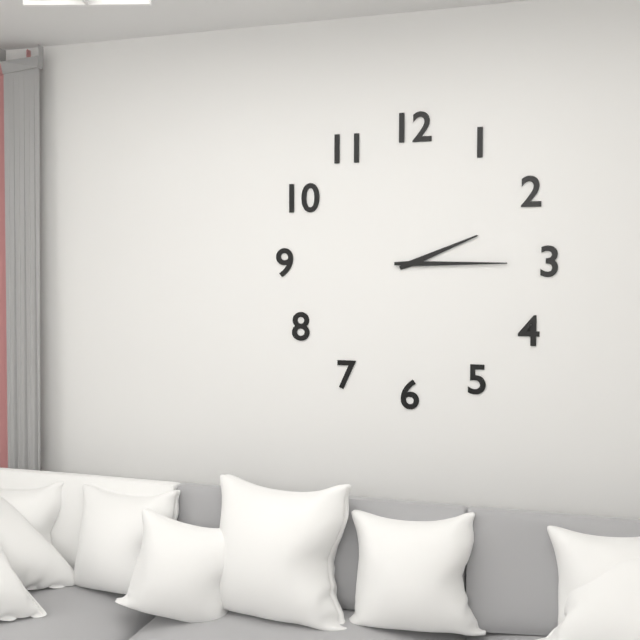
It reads h=2 m=15
